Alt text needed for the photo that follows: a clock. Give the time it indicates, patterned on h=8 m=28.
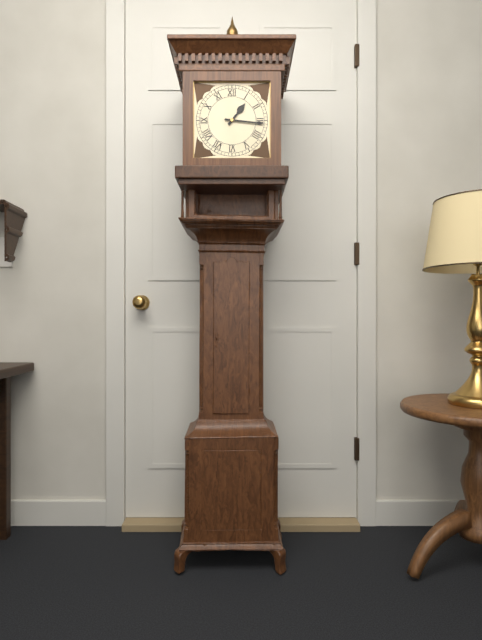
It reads h=1 m=16
